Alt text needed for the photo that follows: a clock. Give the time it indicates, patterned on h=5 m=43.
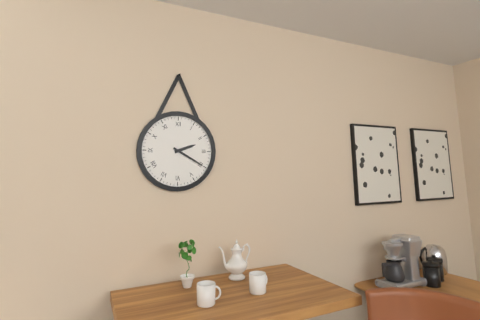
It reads h=2 m=20
